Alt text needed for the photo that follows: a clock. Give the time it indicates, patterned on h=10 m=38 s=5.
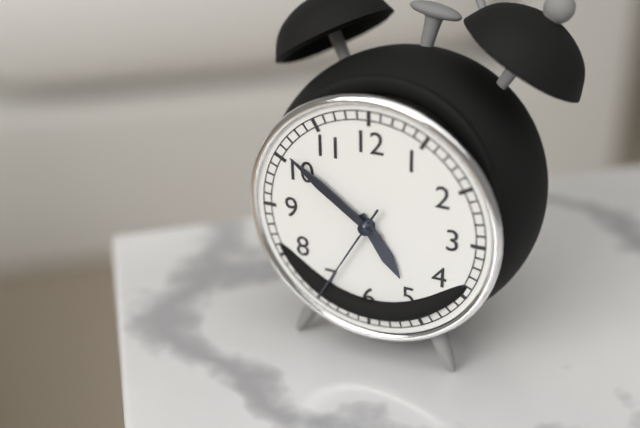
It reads h=4 m=51 s=35
